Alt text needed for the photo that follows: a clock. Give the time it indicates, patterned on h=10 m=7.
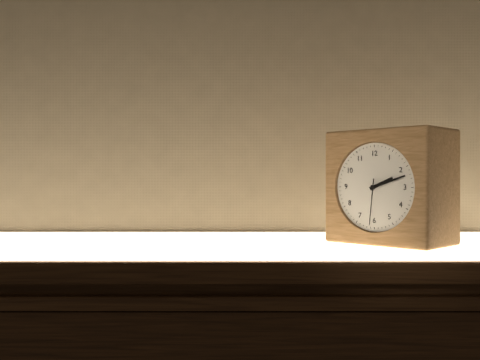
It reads h=2 m=12
